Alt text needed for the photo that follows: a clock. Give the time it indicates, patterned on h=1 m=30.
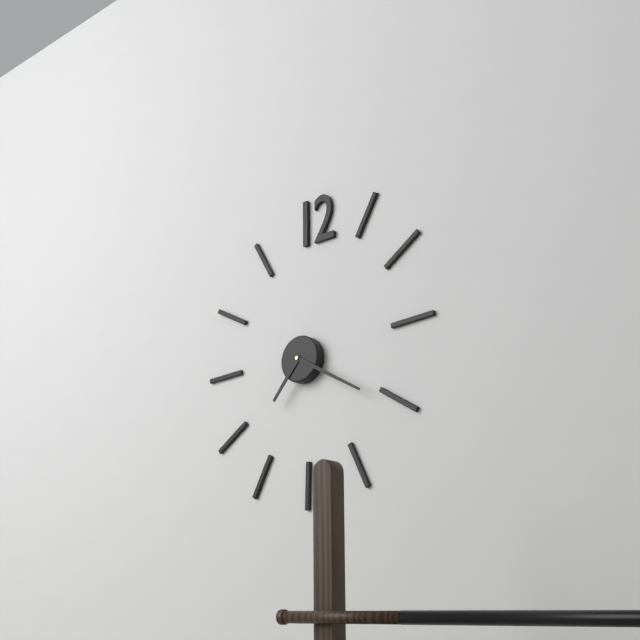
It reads h=7 m=20
